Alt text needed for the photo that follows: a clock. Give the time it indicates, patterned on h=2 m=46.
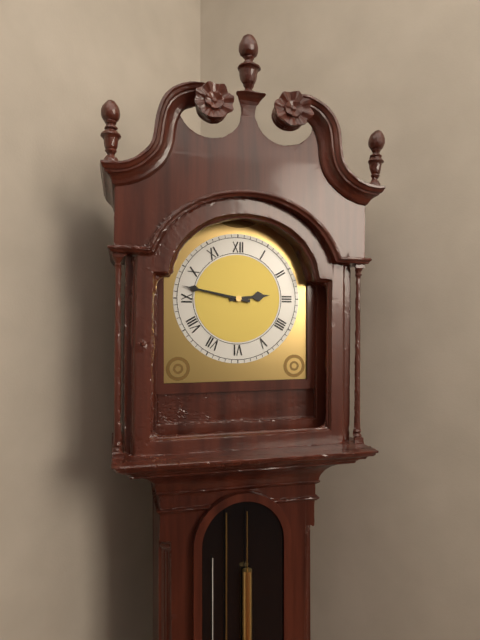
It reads h=2 m=47
